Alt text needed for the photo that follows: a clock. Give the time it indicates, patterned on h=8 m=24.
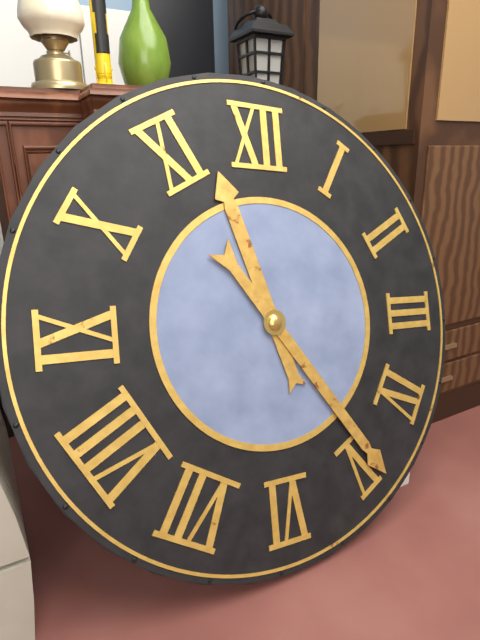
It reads h=11 m=24
